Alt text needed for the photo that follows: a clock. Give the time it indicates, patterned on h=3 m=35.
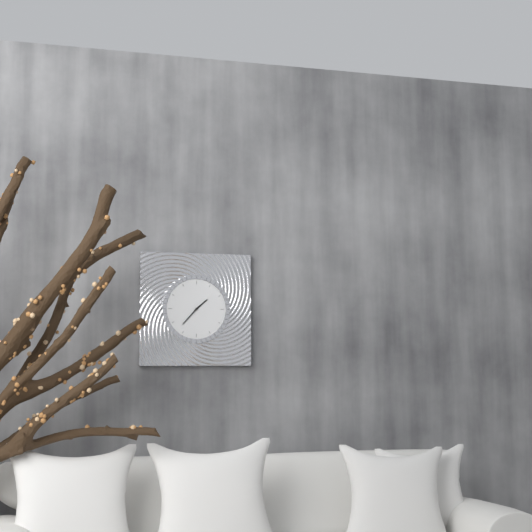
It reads h=1 m=37
